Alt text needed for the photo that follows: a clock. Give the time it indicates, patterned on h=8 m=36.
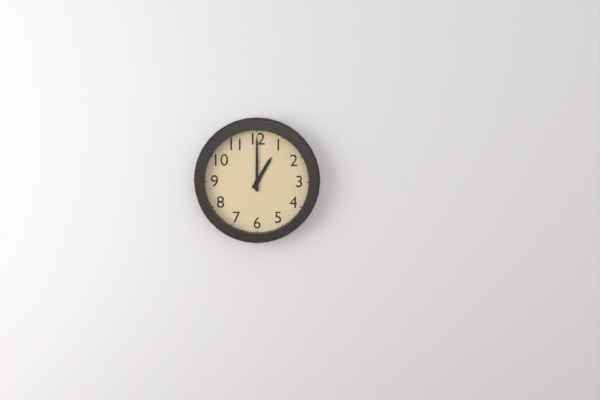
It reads h=1 m=0
